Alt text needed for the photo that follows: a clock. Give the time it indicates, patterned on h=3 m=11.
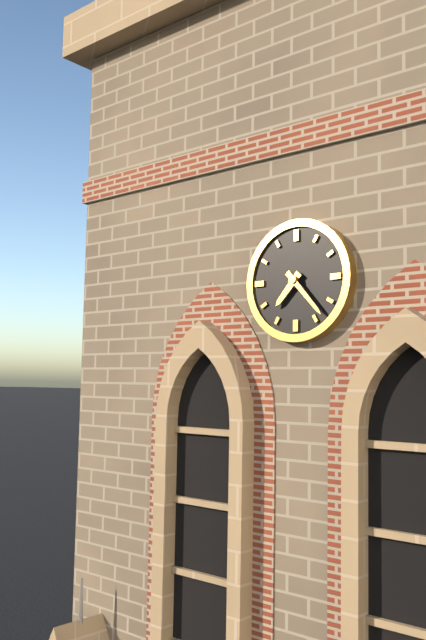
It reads h=7 m=23
